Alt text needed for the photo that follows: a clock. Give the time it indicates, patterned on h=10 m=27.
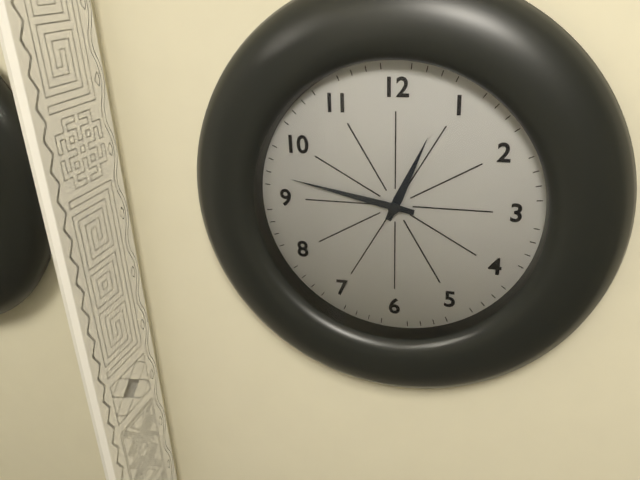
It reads h=12 m=47
